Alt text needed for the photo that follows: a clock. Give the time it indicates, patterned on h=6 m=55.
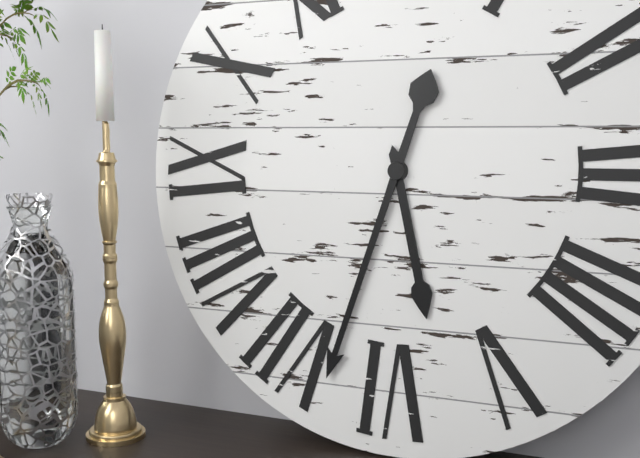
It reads h=5 m=33
